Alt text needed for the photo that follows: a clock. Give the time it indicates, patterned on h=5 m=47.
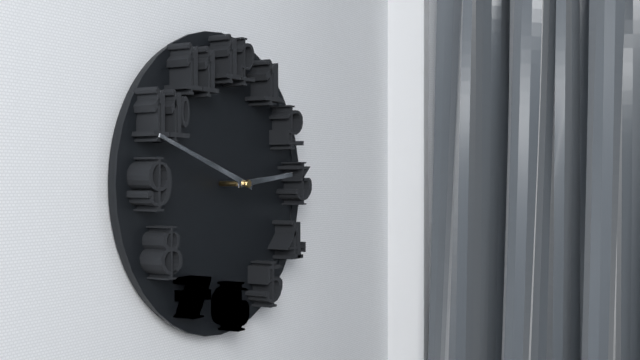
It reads h=2 m=48
